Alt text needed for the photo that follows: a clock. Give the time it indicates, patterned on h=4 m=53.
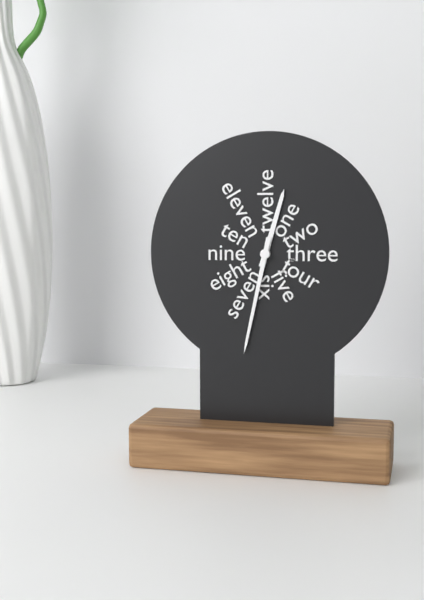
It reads h=12 m=32
